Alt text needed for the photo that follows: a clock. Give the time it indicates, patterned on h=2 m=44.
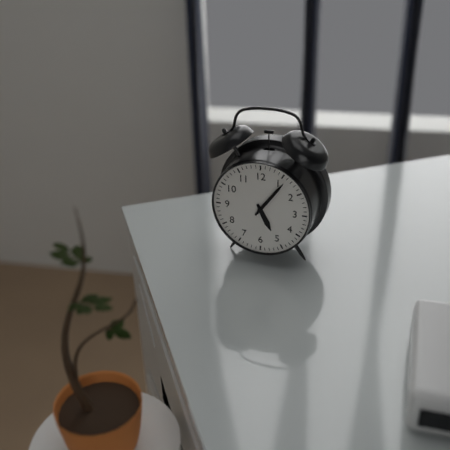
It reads h=5 m=6
